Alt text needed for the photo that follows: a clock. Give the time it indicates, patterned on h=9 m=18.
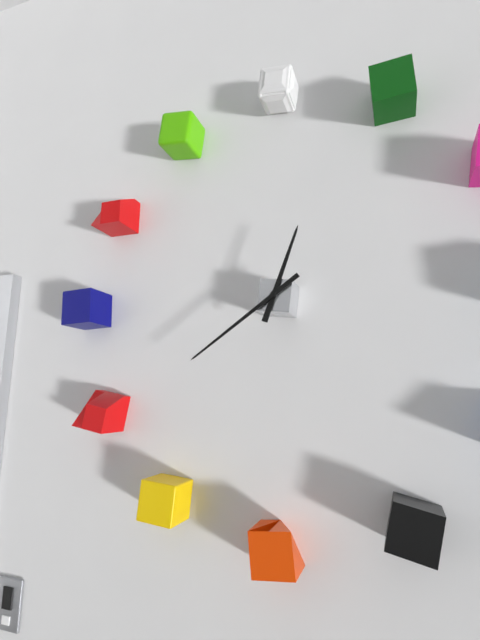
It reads h=12 m=39
